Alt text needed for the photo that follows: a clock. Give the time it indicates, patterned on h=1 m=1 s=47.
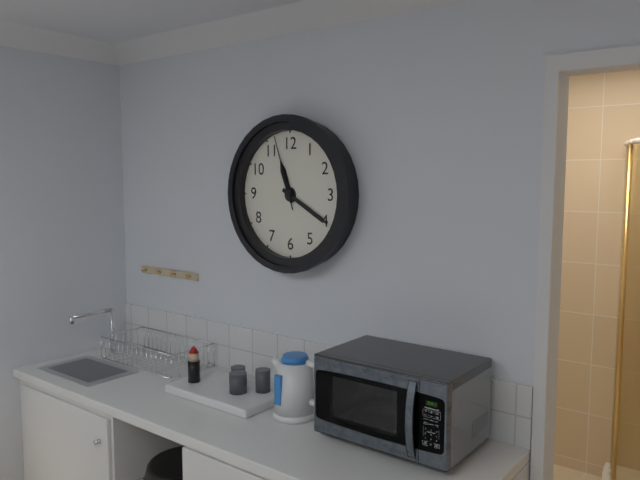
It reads h=11 m=20 s=57
